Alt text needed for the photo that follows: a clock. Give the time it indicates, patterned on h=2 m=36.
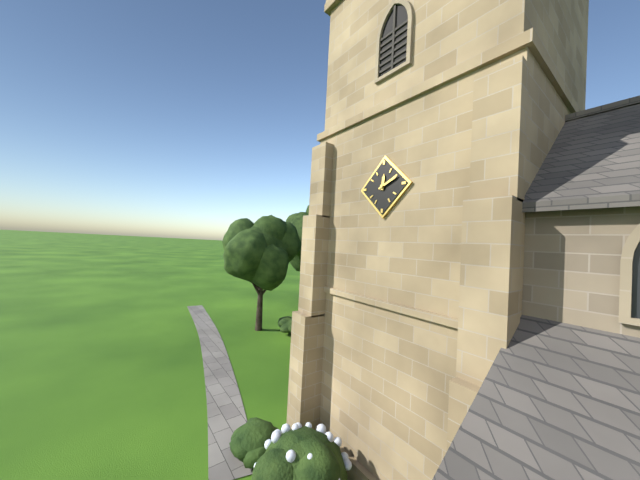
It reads h=12 m=11
